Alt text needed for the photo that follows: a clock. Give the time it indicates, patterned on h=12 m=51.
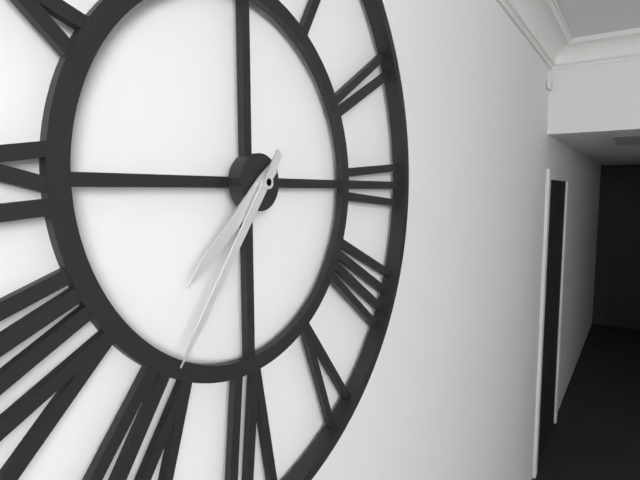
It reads h=7 m=36
